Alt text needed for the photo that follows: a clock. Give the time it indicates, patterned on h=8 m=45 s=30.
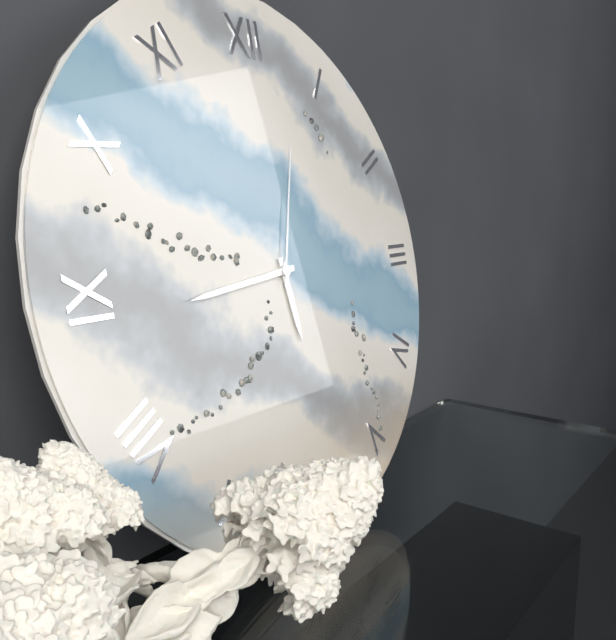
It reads h=5 m=44 s=3
